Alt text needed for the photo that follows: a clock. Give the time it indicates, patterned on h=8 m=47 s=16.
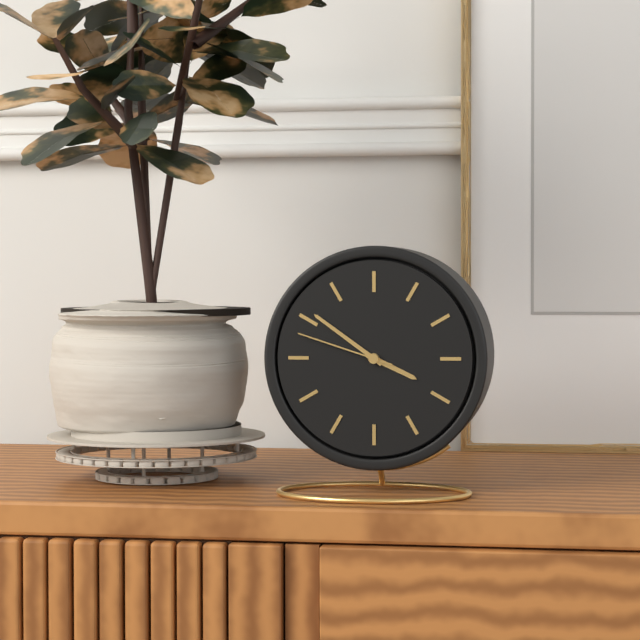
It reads h=3 m=51 s=48
